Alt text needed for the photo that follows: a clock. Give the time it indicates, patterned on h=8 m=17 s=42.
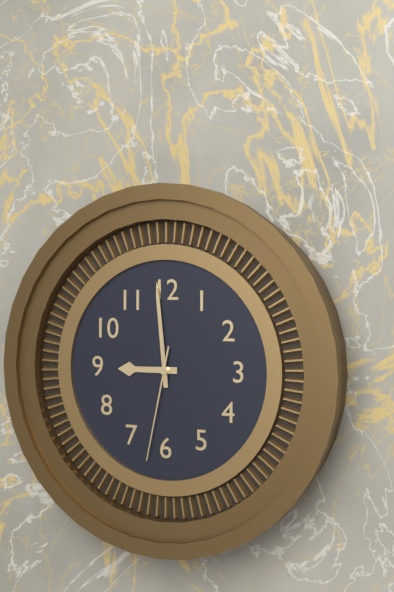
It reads h=8 m=59 s=32
